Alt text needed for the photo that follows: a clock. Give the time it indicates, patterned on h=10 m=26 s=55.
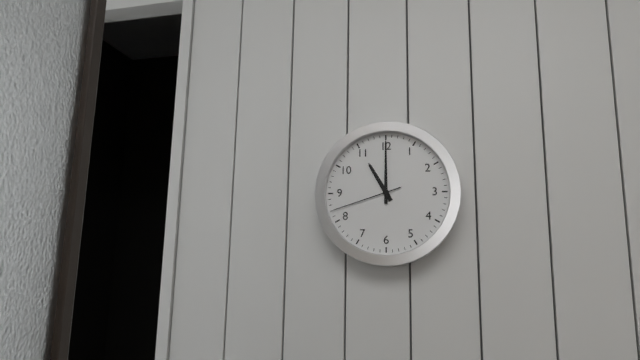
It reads h=11 m=0 s=42
